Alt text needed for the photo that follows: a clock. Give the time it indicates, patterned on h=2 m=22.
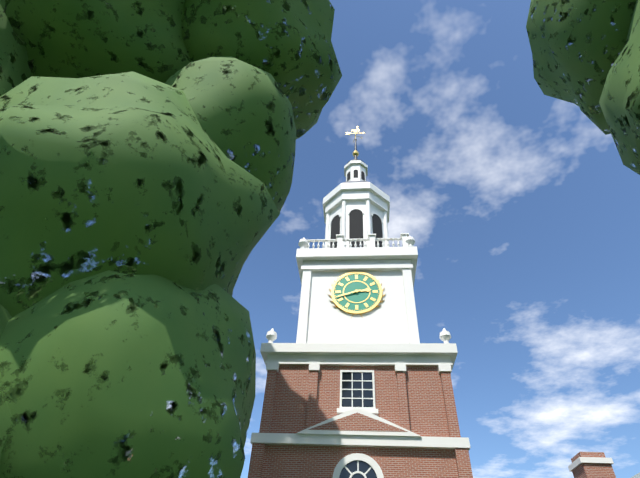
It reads h=2 m=42
